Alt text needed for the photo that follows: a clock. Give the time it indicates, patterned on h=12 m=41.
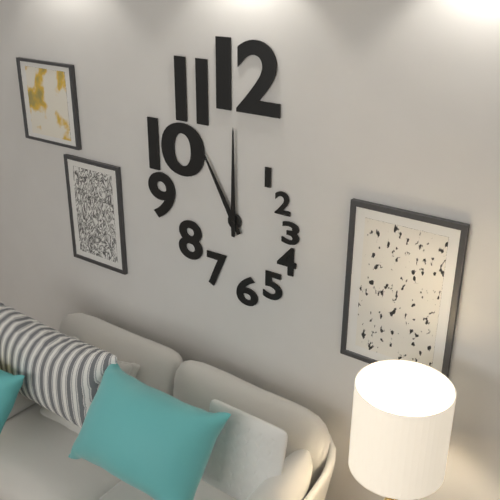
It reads h=11 m=0
